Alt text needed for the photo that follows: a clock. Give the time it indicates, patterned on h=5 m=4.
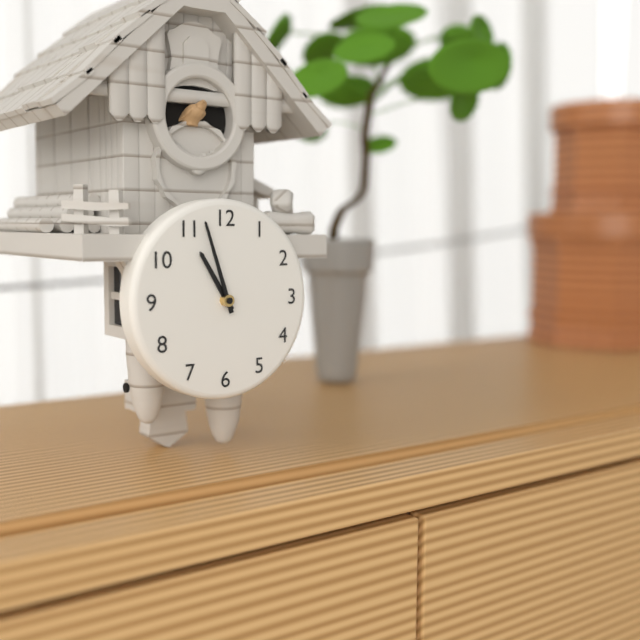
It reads h=10 m=57
